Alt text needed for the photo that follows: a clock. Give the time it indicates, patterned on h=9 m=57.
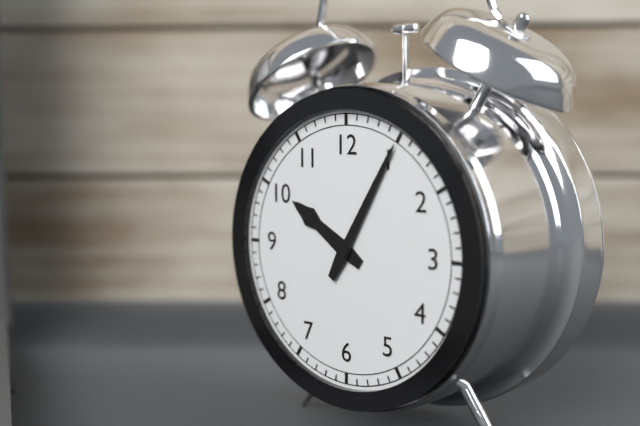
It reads h=10 m=5
